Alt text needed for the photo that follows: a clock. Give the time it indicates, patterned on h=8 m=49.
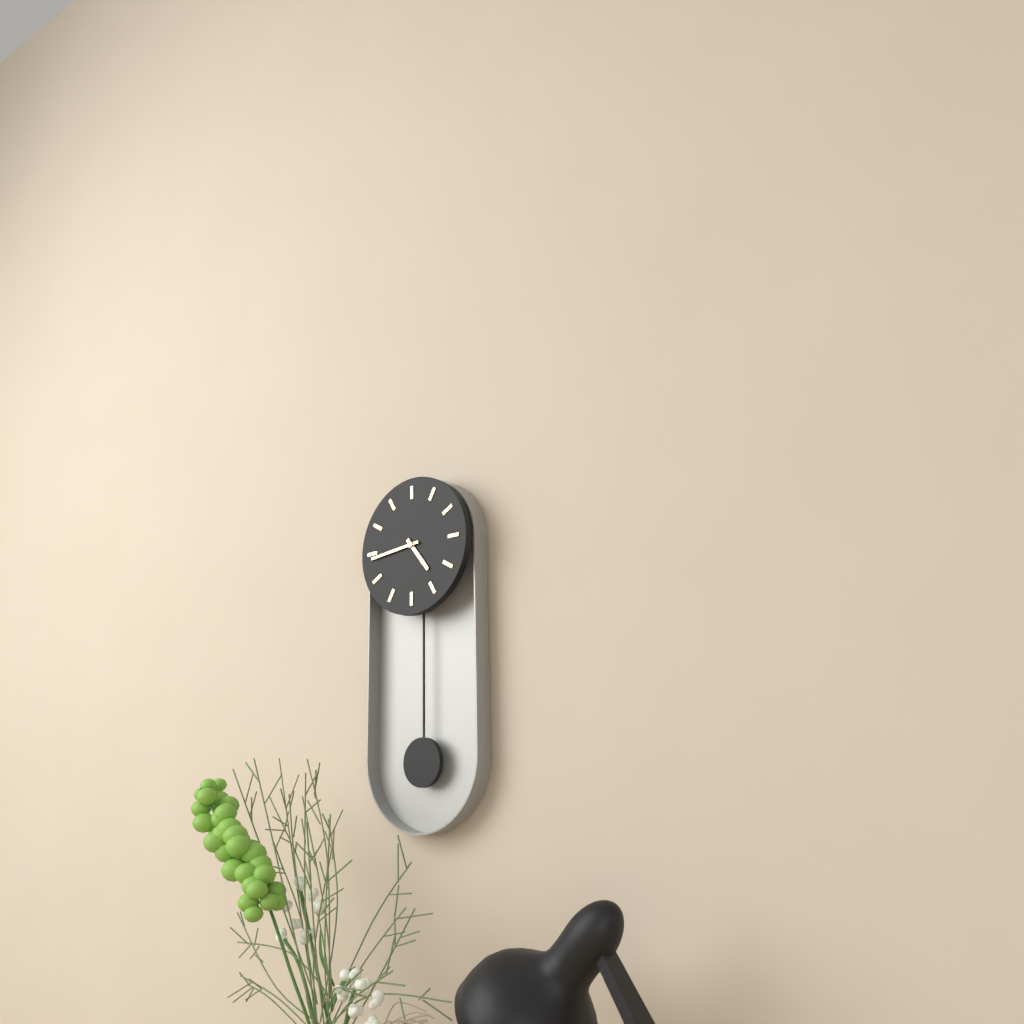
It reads h=4 m=44
